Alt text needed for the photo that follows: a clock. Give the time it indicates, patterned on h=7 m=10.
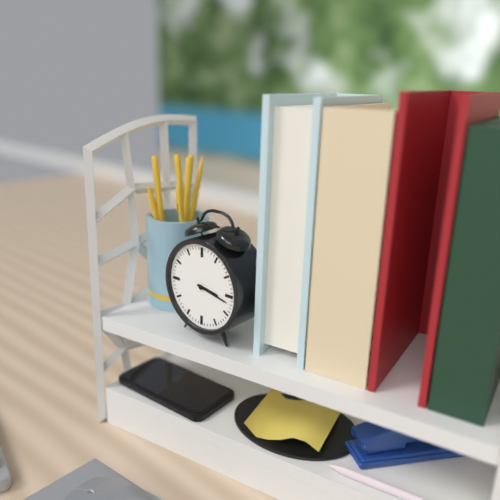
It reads h=3 m=17
